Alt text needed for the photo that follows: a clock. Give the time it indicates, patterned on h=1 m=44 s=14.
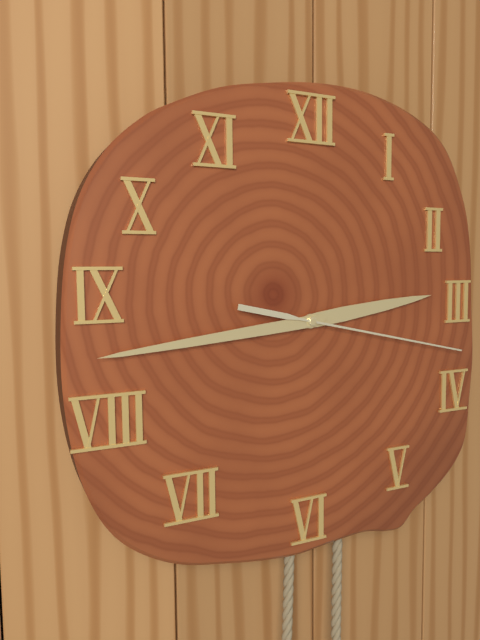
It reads h=2 m=44 s=17
